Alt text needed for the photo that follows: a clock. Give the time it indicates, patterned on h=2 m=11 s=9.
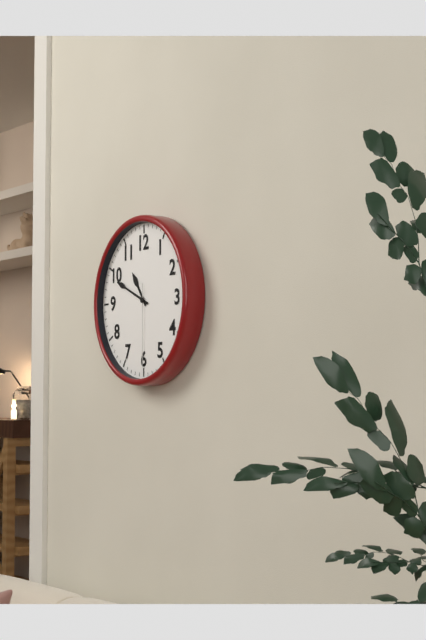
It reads h=10 m=49 s=30
